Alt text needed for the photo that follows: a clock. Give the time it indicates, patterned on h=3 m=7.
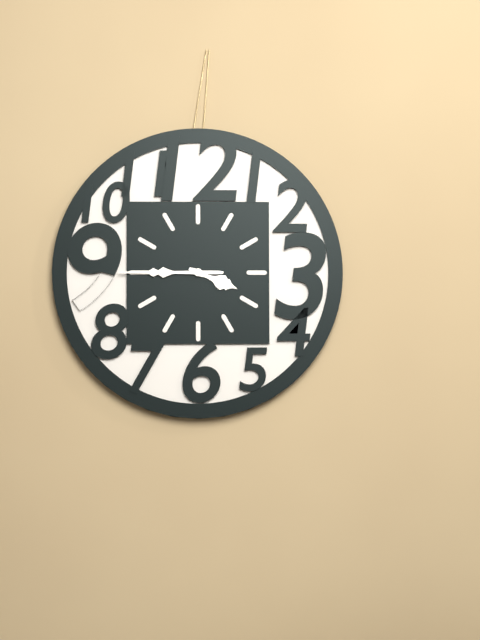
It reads h=3 m=45
